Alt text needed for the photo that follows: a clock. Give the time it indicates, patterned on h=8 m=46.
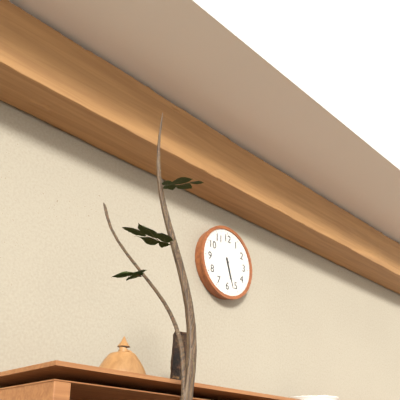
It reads h=5 m=27
